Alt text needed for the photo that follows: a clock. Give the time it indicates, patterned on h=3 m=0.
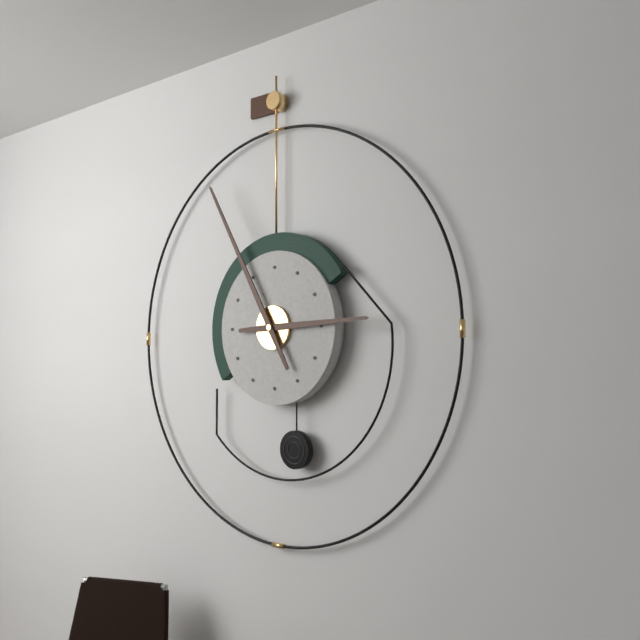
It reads h=2 m=55
